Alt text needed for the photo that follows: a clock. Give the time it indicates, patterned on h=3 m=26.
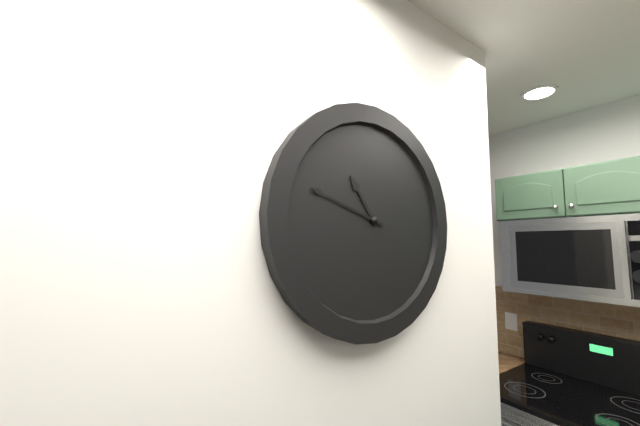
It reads h=10 m=48
